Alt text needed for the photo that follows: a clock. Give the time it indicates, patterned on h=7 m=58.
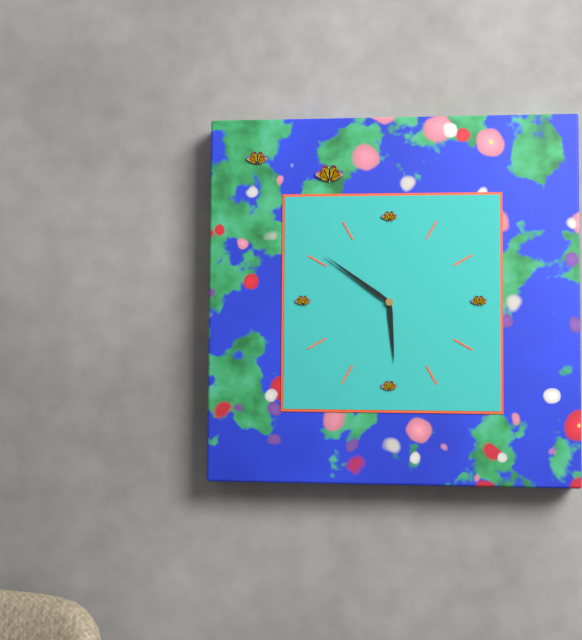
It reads h=5 m=51
